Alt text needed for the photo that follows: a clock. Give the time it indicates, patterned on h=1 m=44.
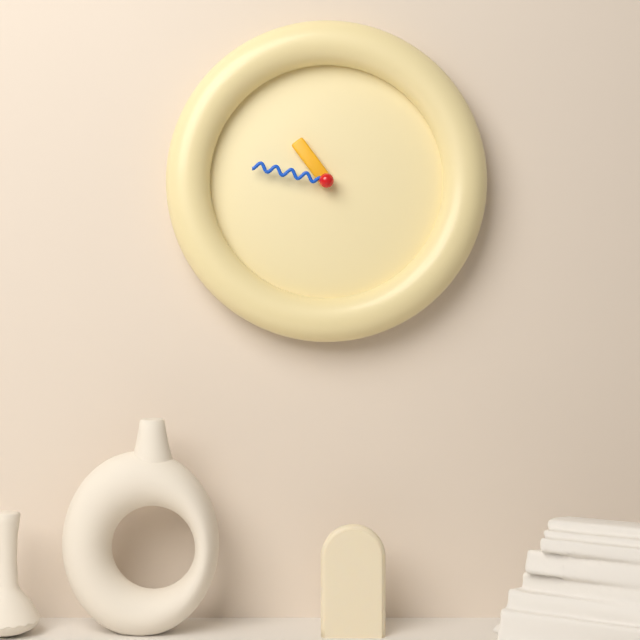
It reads h=10 m=47
